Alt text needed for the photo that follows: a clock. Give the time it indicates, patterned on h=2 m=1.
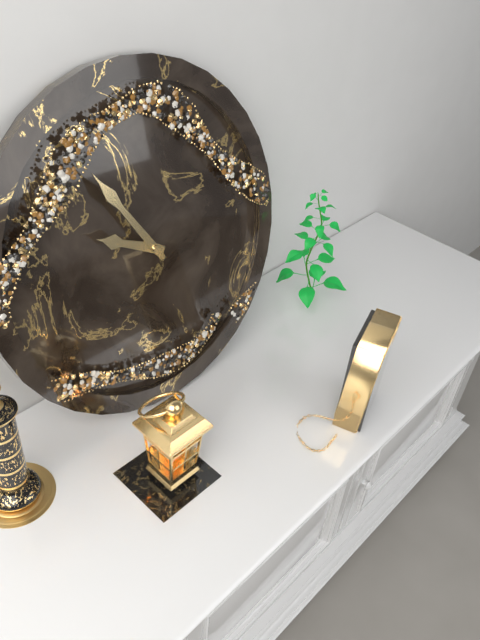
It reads h=9 m=55
